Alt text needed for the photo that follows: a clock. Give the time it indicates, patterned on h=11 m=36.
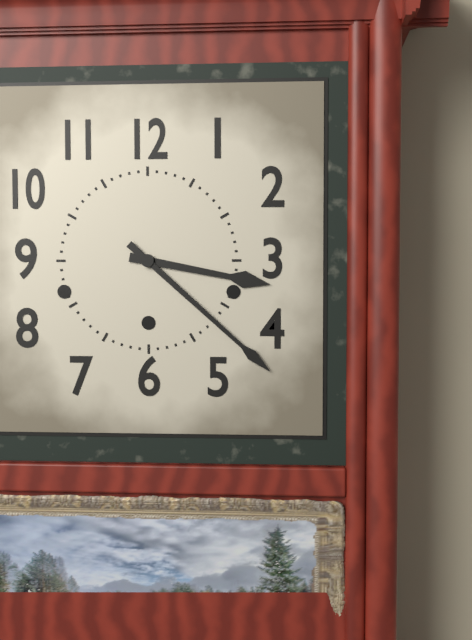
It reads h=3 m=22
